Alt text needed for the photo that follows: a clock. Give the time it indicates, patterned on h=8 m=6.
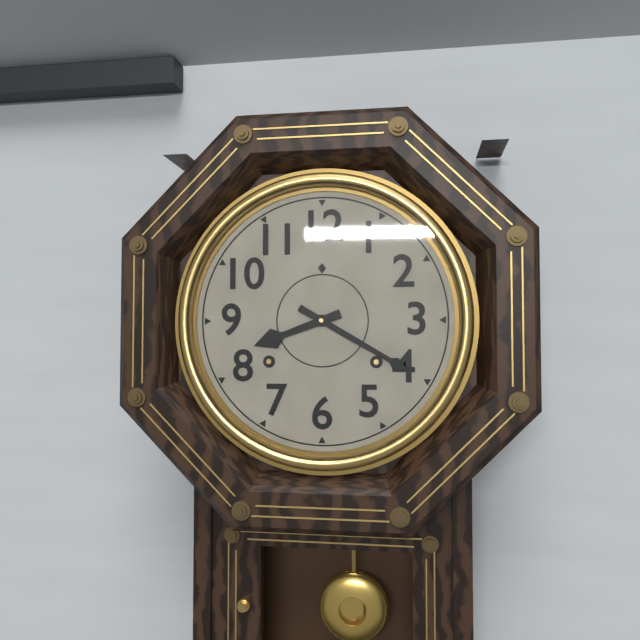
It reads h=8 m=20
